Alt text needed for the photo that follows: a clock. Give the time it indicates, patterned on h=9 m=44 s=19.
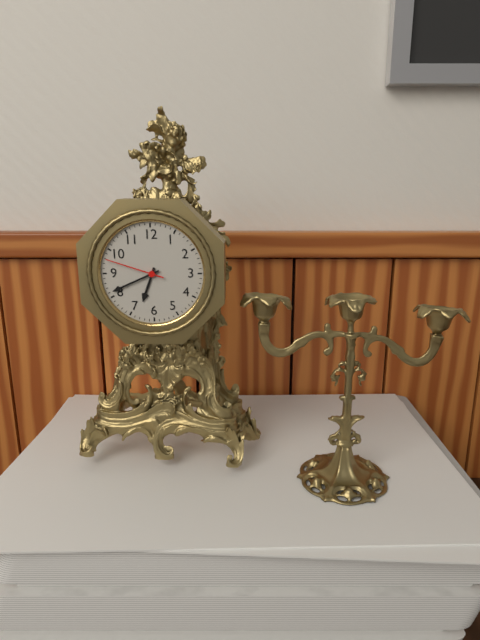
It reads h=6 m=41 s=48
